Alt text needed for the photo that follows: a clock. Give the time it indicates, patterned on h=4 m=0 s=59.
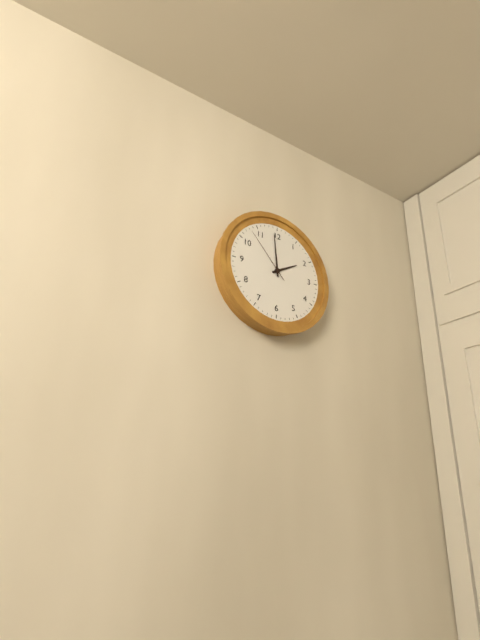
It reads h=1 m=59 s=53
